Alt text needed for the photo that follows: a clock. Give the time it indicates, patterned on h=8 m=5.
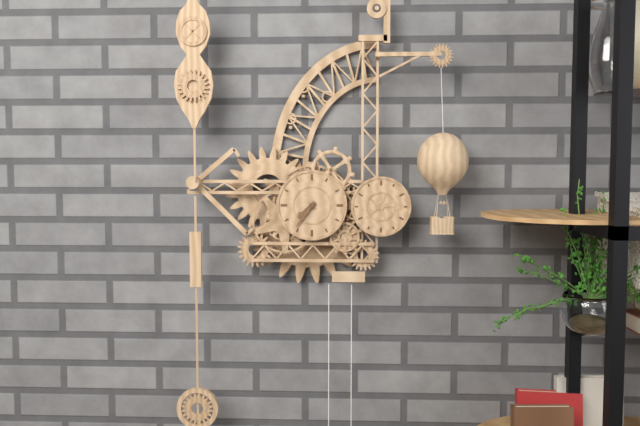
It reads h=7 m=36
